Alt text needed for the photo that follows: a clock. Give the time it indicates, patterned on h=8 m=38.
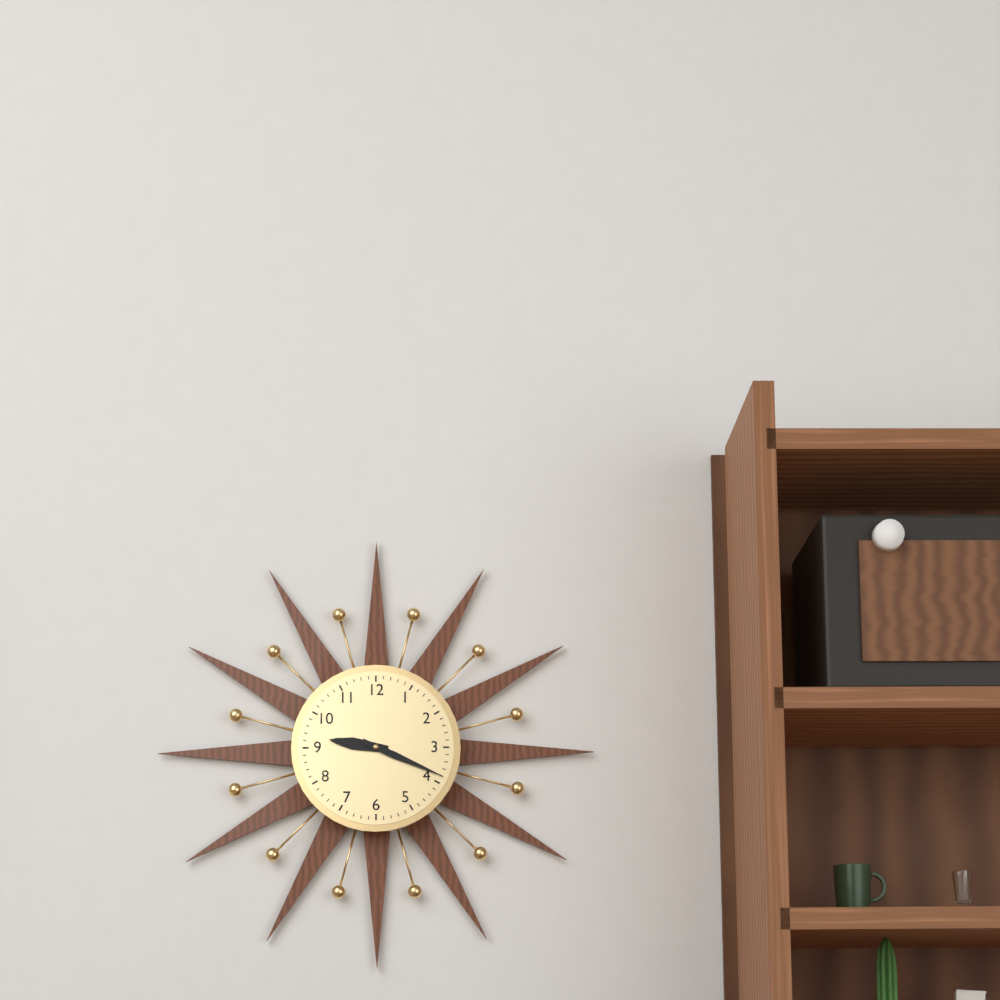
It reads h=9 m=19
